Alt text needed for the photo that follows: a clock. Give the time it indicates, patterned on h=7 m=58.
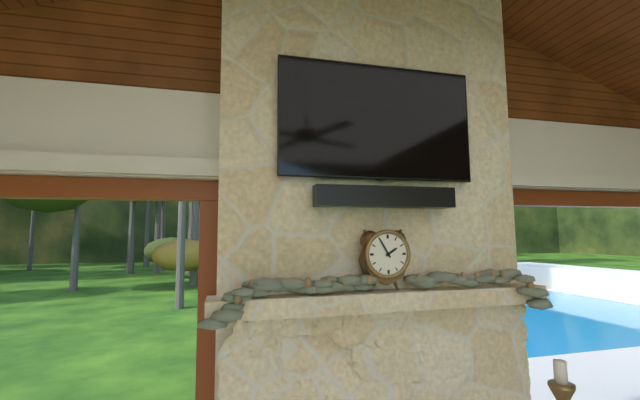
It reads h=1 m=55
